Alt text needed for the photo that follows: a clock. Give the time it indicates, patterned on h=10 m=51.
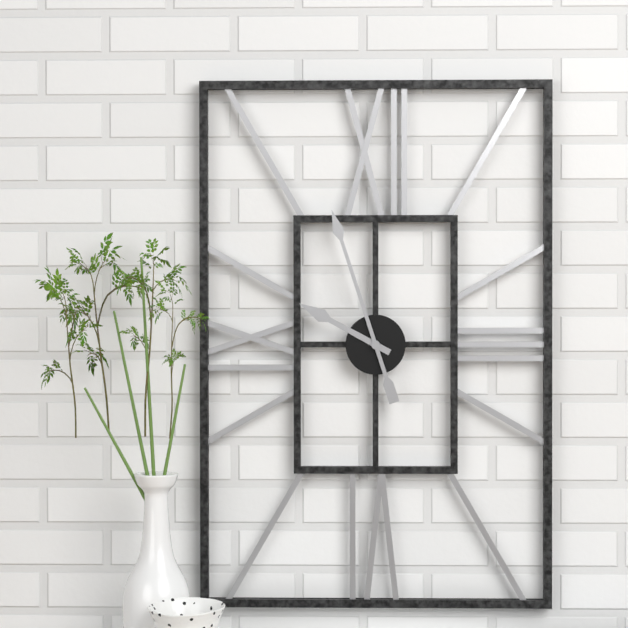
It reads h=9 m=57
